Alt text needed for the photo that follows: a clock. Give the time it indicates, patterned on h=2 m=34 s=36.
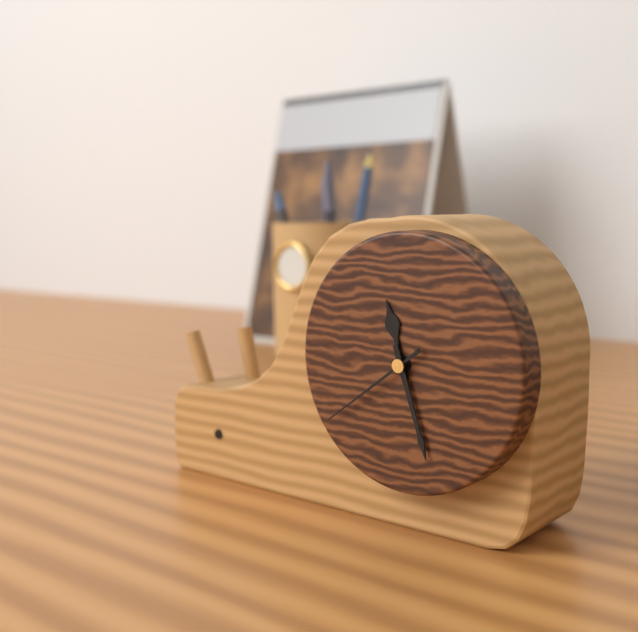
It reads h=11 m=27 s=39
